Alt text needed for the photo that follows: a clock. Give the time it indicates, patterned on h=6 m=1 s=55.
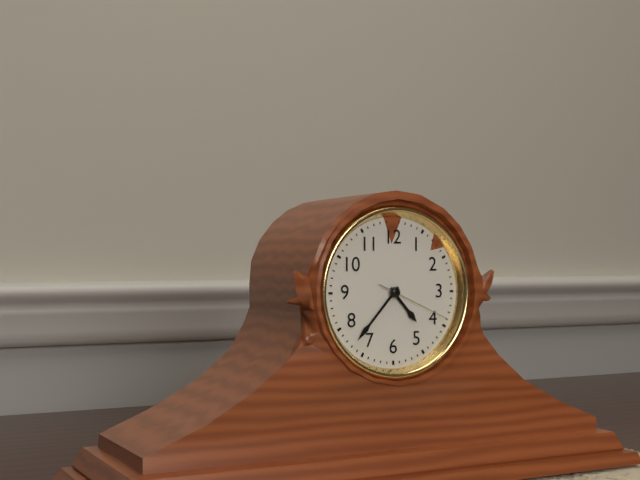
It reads h=4 m=37 s=19
